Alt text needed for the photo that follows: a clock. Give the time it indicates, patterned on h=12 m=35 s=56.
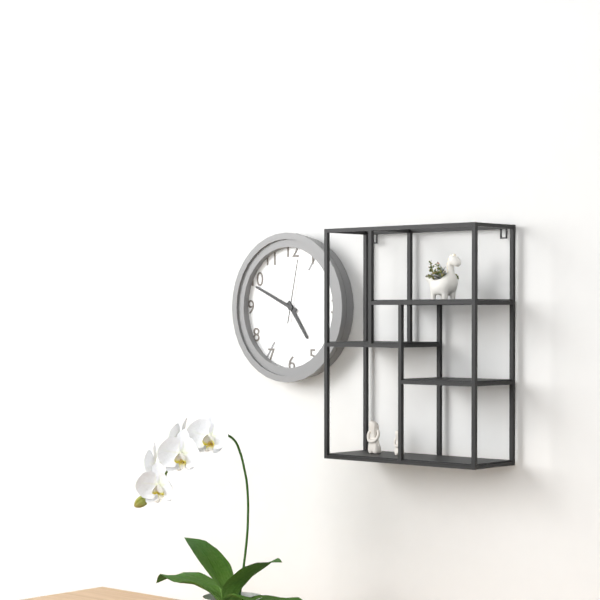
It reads h=4 m=49 s=2
